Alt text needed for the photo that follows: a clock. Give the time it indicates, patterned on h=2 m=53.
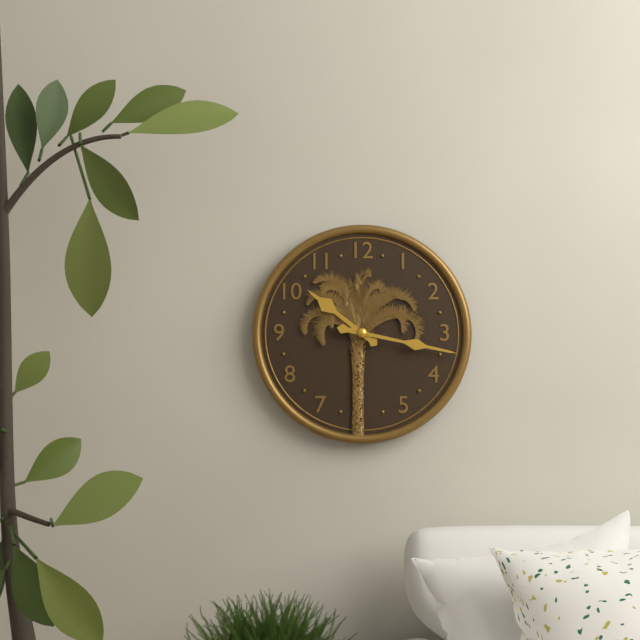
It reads h=10 m=17
